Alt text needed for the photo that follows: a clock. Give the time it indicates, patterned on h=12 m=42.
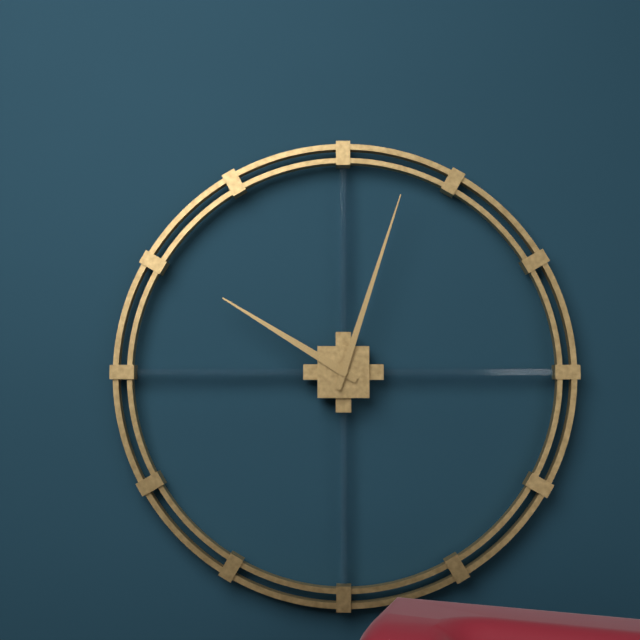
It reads h=10 m=3
